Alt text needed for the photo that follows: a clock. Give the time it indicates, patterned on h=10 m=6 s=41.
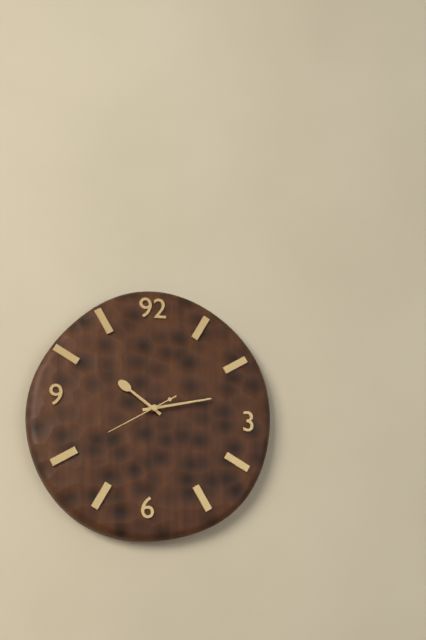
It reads h=10 m=13 s=40
